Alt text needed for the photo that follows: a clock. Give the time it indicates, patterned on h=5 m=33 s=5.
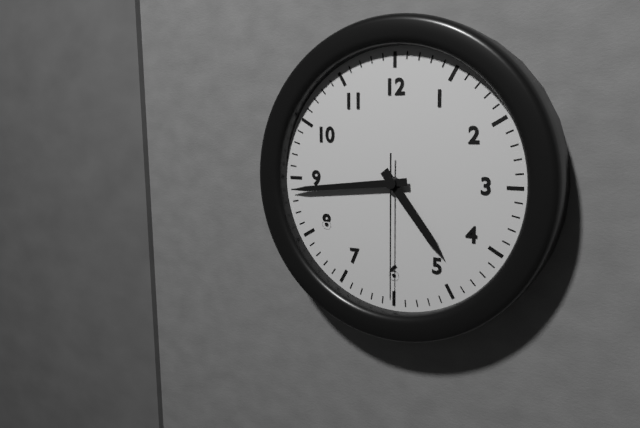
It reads h=4 m=44 s=30
